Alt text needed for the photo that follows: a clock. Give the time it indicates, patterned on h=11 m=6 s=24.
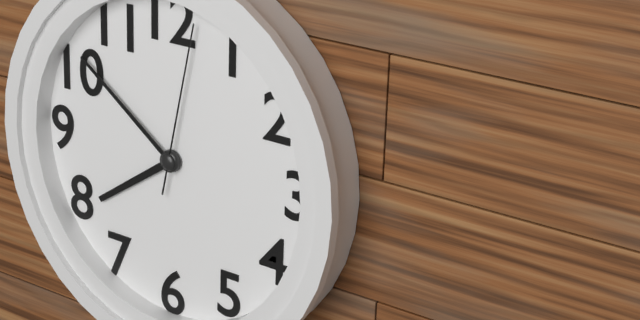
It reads h=7 m=51 s=2
